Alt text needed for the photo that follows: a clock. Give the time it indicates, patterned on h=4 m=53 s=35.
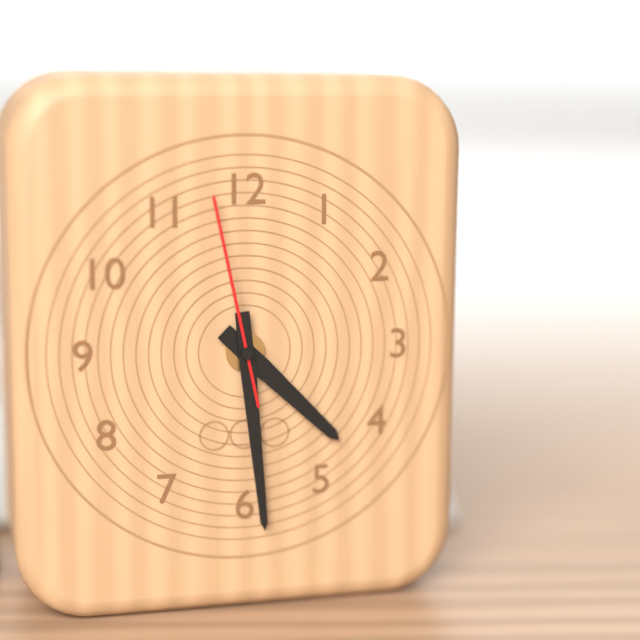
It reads h=4 m=29 s=58
